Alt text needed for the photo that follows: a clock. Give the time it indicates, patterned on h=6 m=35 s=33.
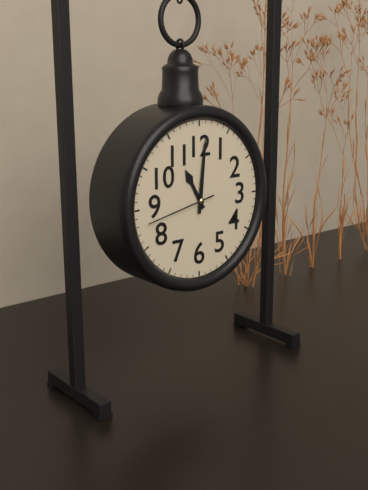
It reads h=11 m=1 s=43
